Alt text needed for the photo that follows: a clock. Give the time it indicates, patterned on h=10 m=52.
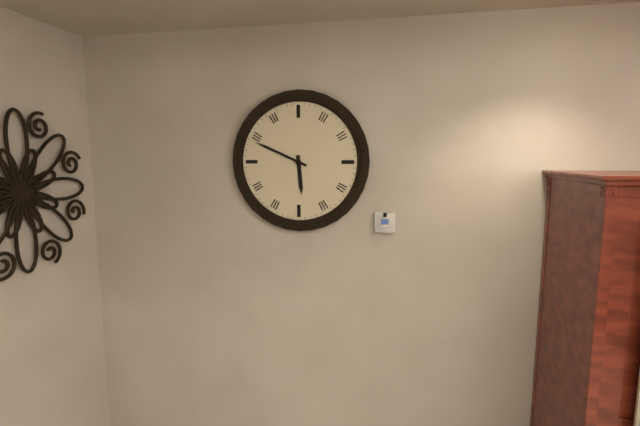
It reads h=5 m=49
